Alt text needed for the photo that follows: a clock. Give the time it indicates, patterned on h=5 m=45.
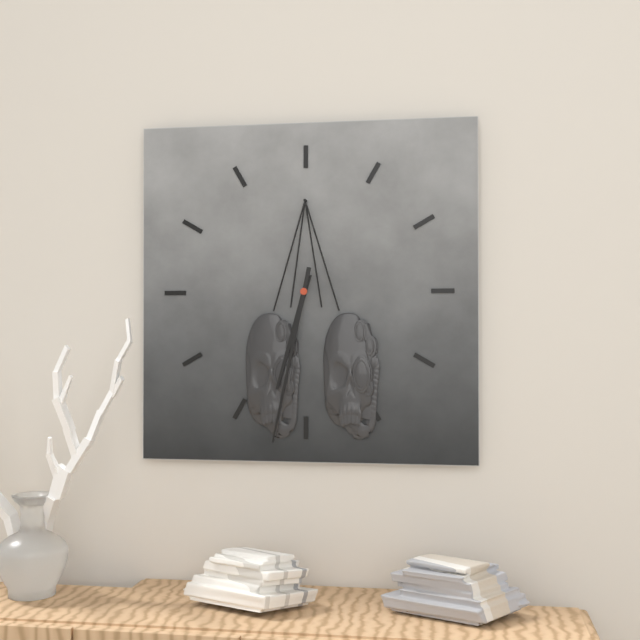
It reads h=6 m=32
